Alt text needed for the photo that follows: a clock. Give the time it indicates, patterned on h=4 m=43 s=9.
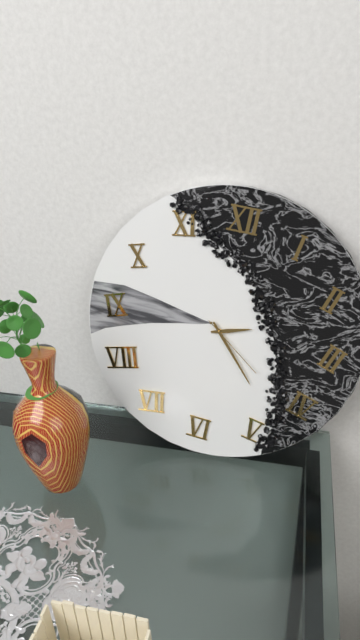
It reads h=2 m=23 s=21
